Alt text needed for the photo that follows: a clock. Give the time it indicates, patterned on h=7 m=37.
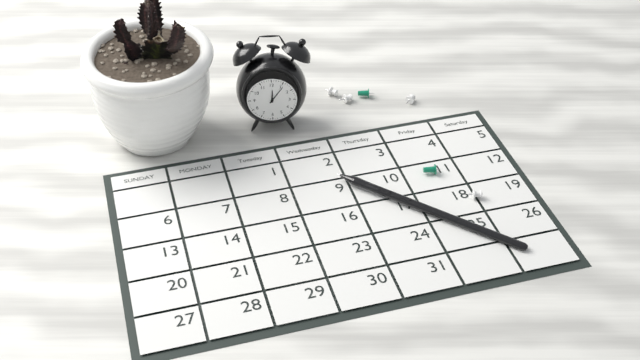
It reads h=12 m=6
